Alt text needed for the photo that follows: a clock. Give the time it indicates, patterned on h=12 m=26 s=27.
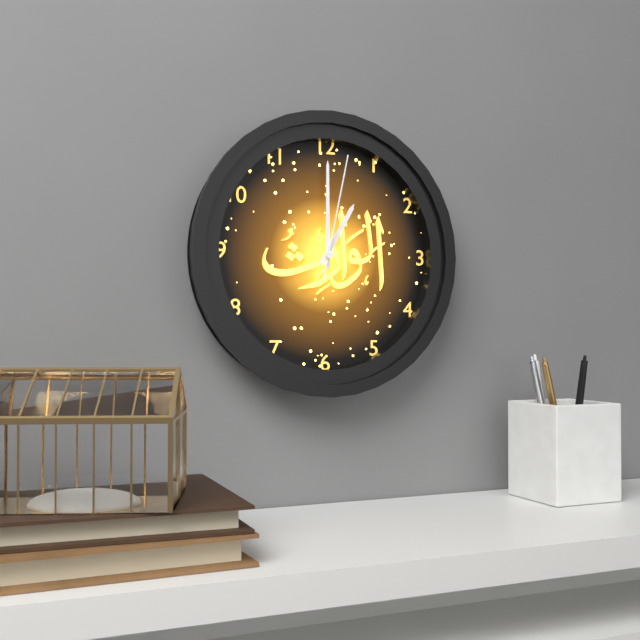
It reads h=1 m=0 s=2
